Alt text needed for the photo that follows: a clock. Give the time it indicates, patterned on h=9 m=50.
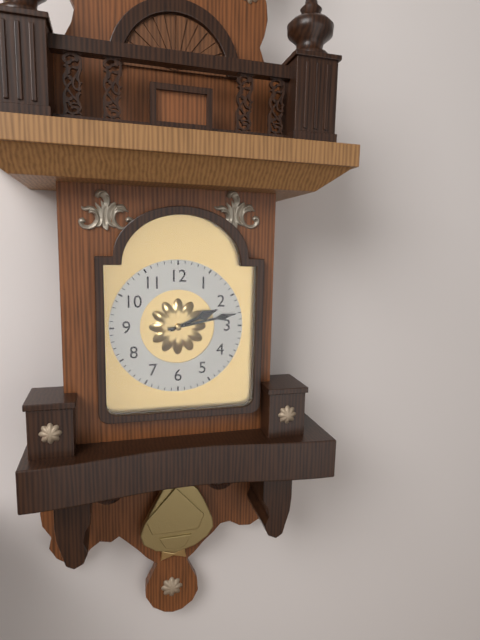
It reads h=2 m=13
